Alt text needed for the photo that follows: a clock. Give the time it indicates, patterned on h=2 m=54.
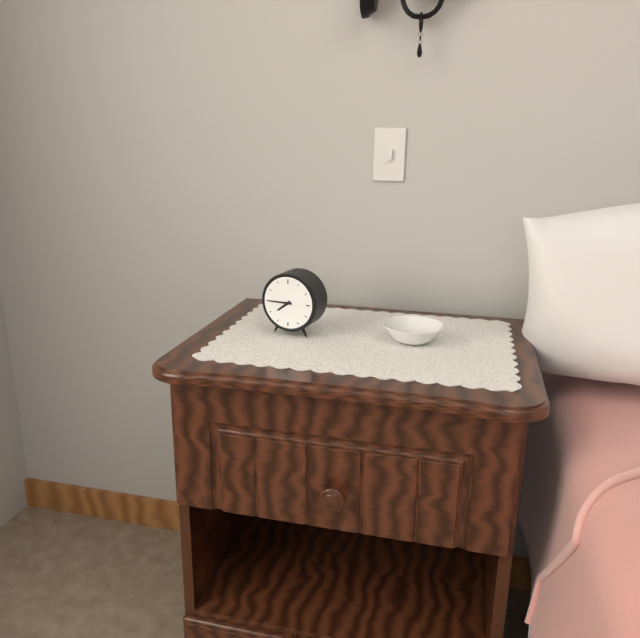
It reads h=7 m=45
